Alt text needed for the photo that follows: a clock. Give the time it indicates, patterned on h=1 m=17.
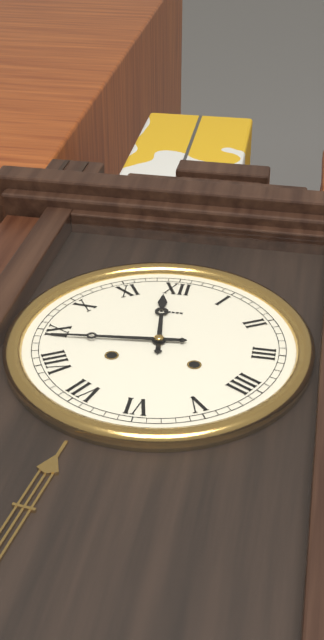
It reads h=11 m=44
